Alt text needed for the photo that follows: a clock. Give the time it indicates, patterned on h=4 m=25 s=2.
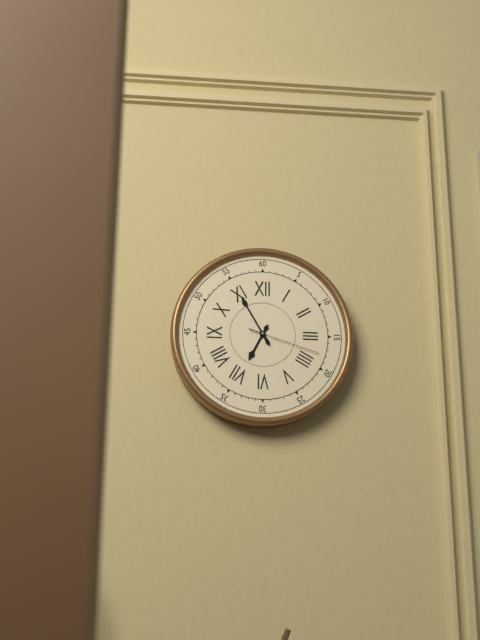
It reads h=6 m=55 s=18
